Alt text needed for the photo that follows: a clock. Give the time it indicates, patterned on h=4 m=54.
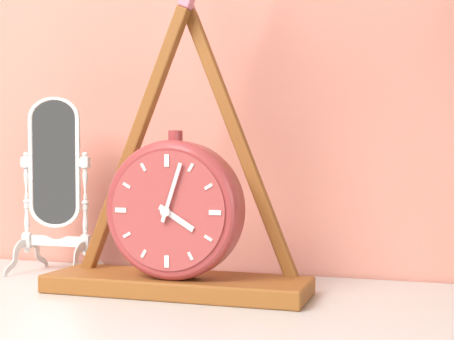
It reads h=4 m=3
